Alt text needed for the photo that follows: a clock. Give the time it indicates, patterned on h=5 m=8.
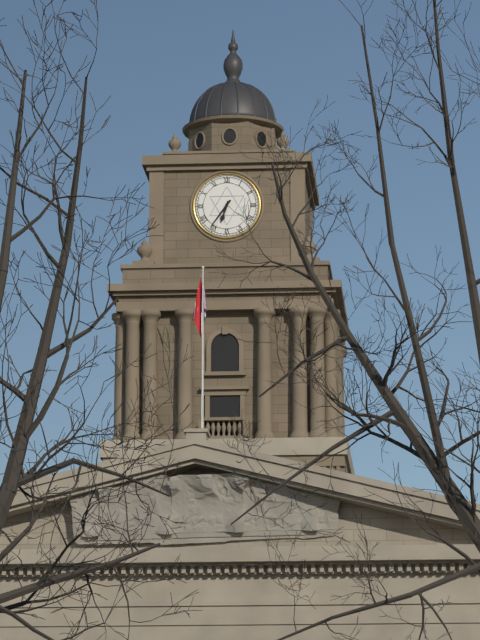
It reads h=6 m=36
